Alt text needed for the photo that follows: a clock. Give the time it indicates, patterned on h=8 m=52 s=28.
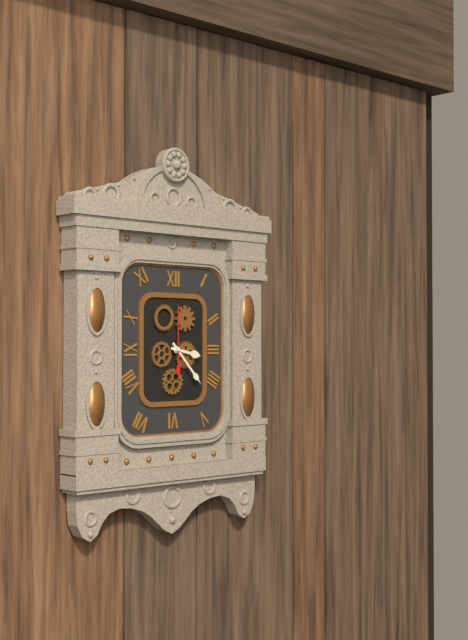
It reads h=3 m=23 s=0
